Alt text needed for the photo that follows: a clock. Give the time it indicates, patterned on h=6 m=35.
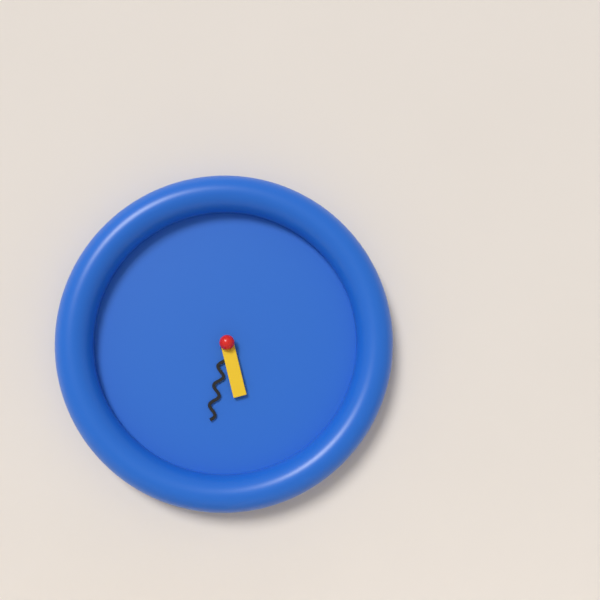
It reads h=5 m=32
